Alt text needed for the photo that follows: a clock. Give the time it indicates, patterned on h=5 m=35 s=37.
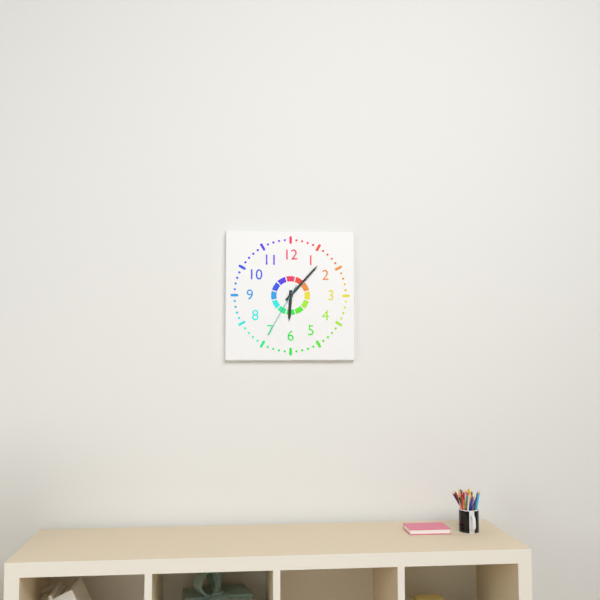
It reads h=6 m=7 s=35
